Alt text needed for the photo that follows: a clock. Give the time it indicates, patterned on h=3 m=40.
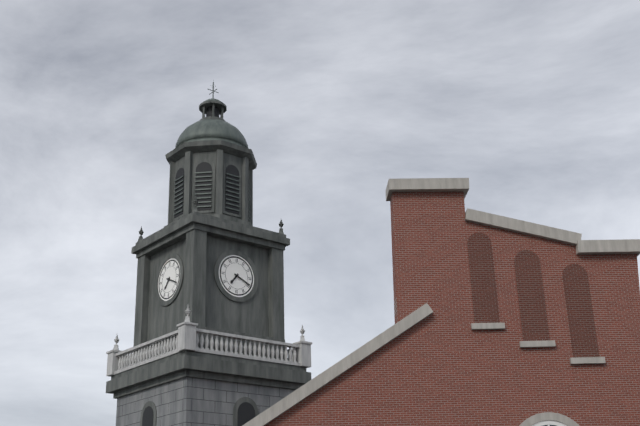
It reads h=7 m=19
